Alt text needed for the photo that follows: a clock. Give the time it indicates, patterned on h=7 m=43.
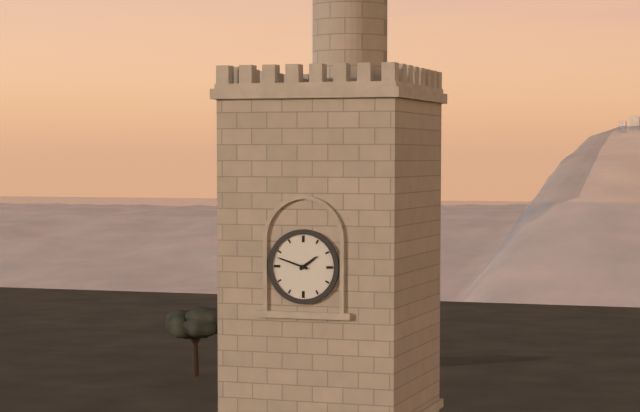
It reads h=1 m=48
